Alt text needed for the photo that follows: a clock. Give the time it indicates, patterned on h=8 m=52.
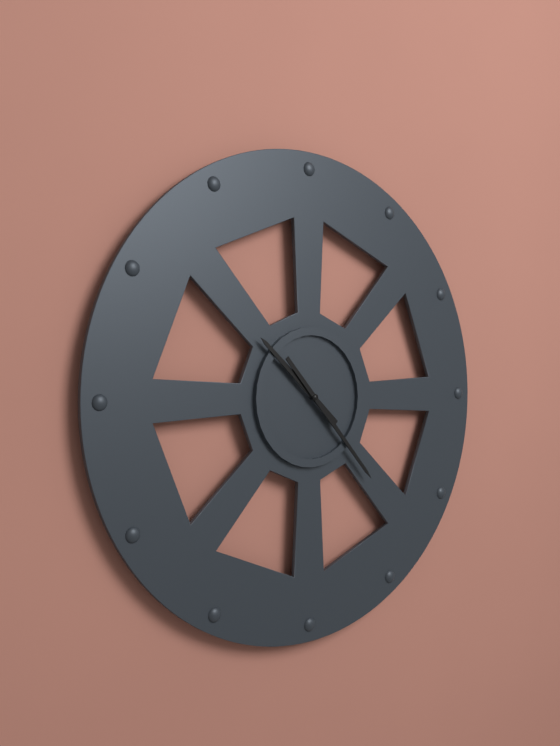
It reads h=10 m=23
